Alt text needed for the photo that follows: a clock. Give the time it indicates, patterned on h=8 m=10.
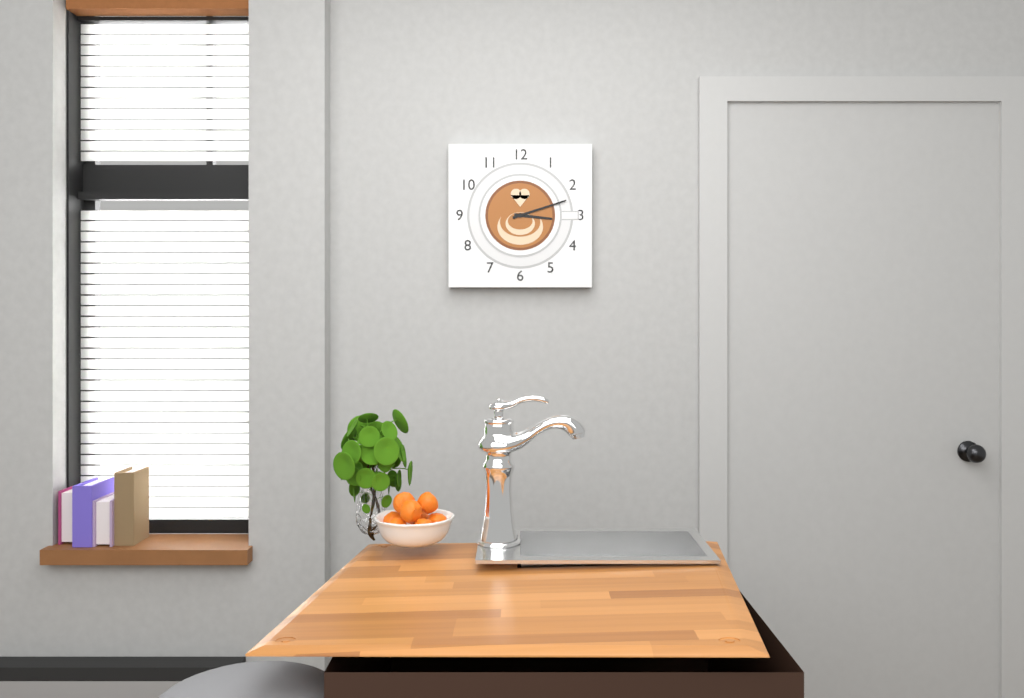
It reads h=3 m=12
